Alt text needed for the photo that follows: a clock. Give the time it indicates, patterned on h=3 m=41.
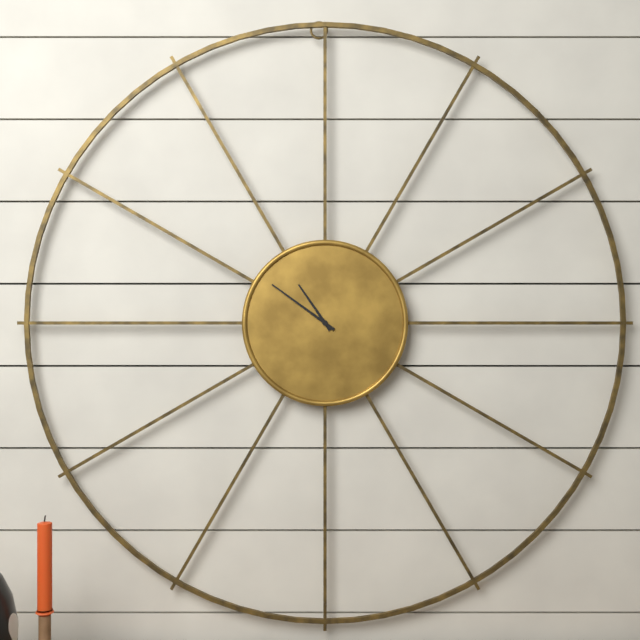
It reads h=10 m=51
